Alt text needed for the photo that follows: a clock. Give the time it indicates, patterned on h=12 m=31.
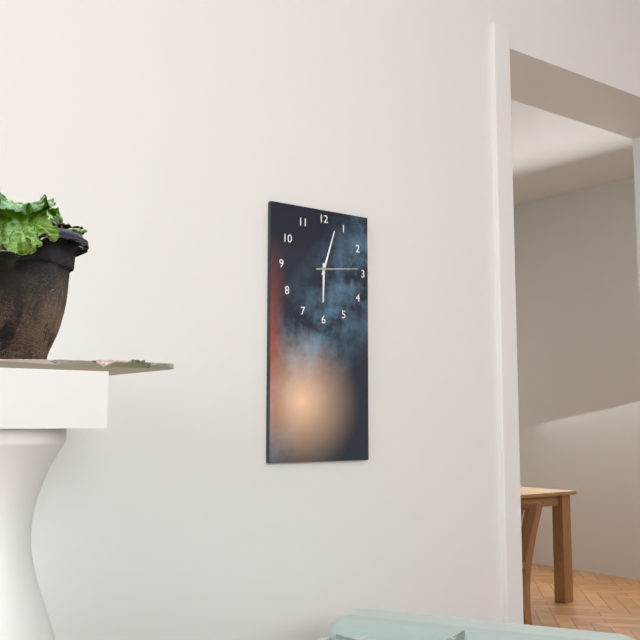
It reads h=6 m=3
